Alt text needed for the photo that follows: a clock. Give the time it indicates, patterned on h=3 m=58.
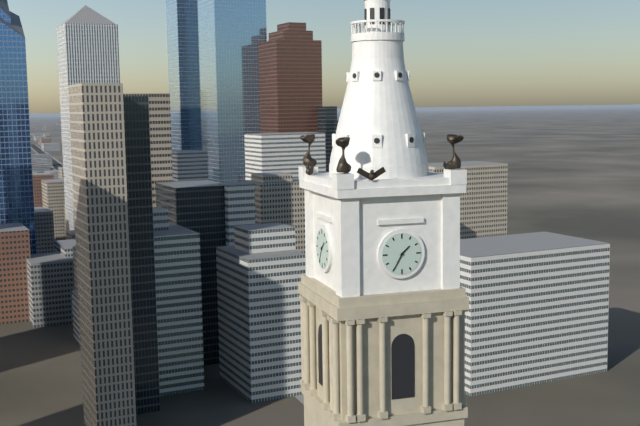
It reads h=1 m=35
